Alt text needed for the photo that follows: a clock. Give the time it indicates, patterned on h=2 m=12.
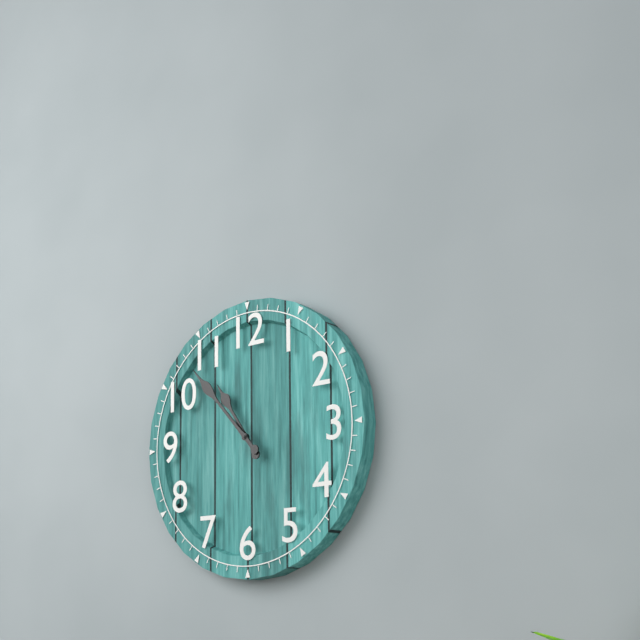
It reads h=10 m=53
